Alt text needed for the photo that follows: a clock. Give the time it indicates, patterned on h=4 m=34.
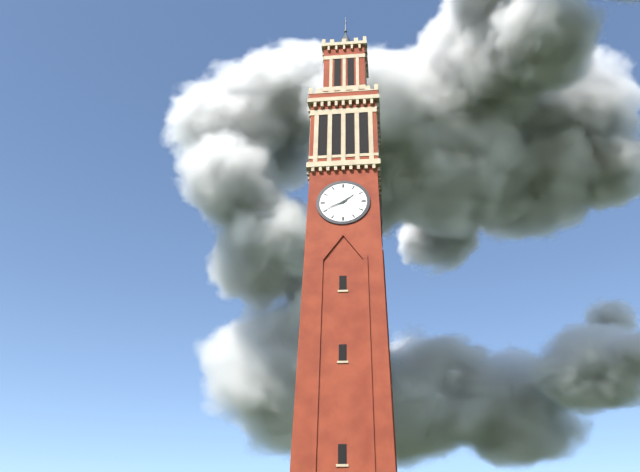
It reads h=1 m=41
